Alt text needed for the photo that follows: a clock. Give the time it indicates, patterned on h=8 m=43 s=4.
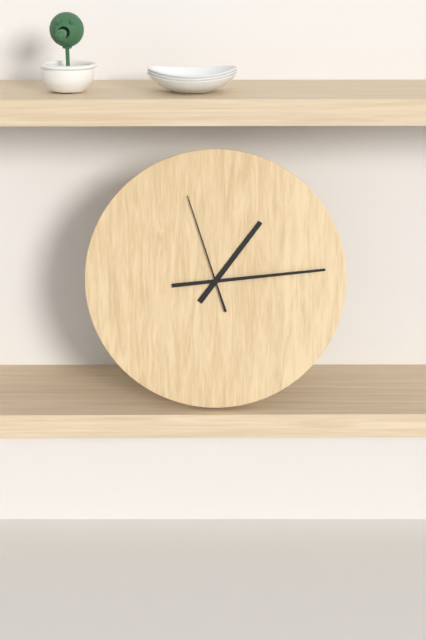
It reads h=1 m=14 s=57
